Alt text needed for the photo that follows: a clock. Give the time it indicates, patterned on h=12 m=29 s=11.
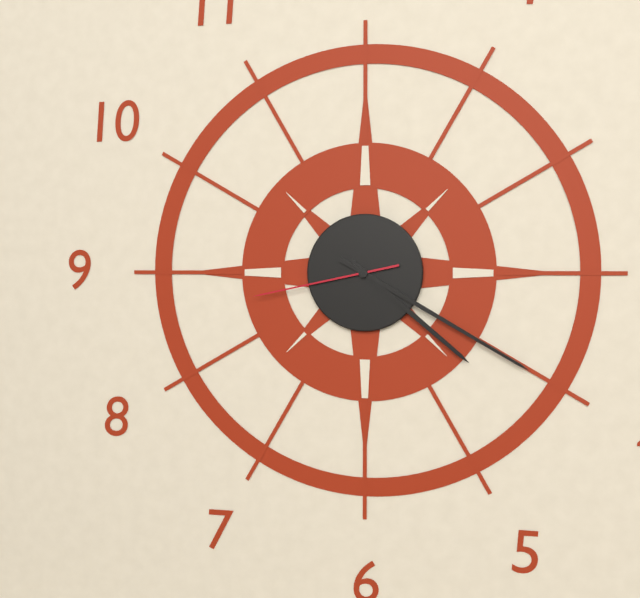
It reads h=4 m=20 s=43
